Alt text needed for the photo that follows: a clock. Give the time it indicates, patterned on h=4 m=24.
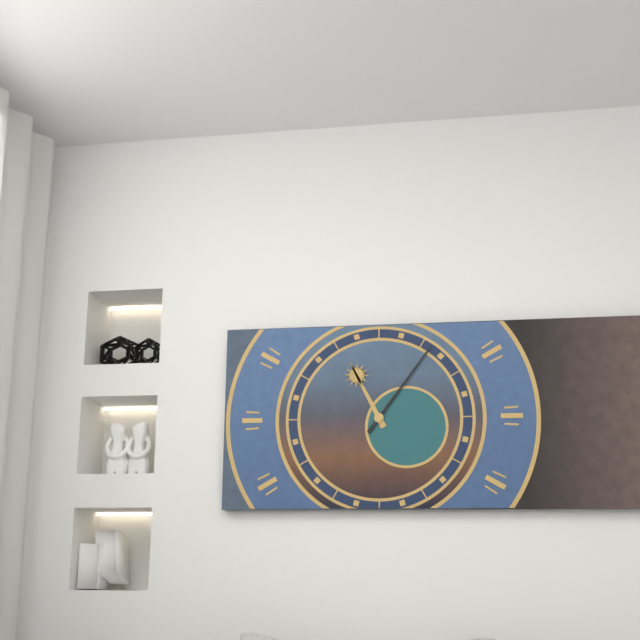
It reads h=11 m=6
